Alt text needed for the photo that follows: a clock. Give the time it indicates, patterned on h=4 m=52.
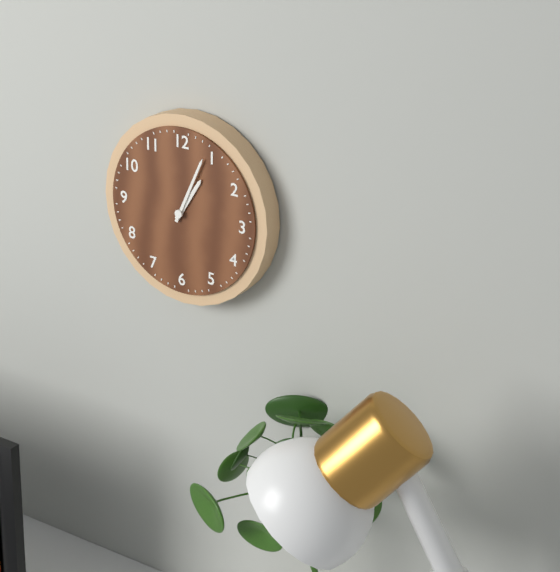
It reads h=1 m=4
